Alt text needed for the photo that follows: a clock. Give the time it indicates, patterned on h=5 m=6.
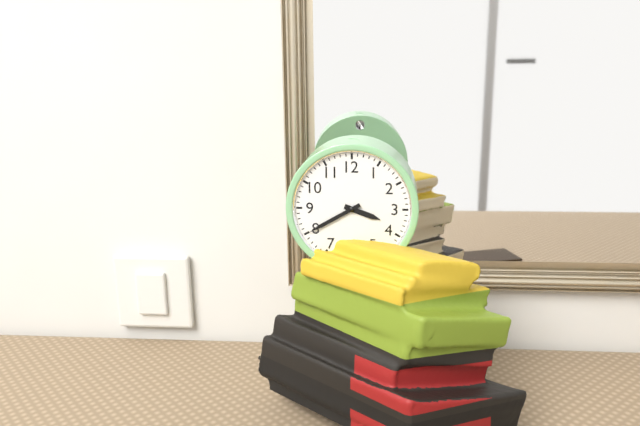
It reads h=3 m=40
